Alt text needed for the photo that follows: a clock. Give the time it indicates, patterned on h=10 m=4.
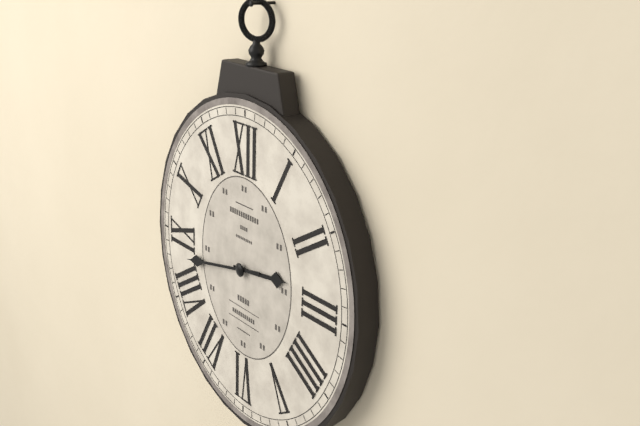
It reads h=2 m=43
